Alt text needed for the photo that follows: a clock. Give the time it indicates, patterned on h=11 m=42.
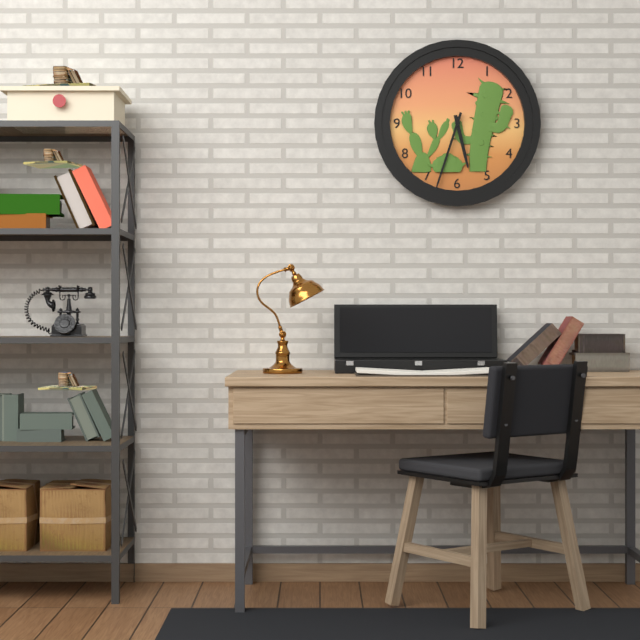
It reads h=5 m=33
